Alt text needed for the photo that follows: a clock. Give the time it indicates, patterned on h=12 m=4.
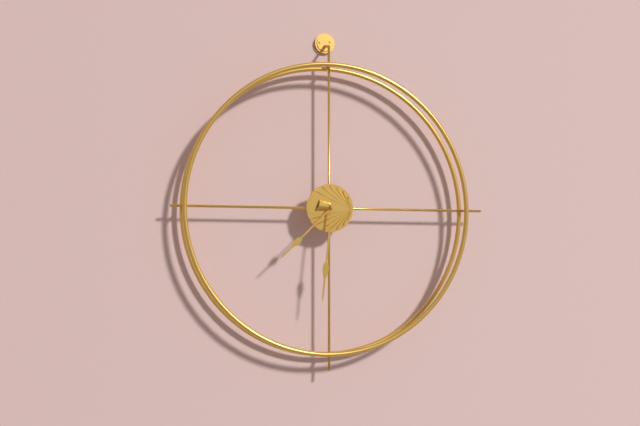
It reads h=7 m=31
